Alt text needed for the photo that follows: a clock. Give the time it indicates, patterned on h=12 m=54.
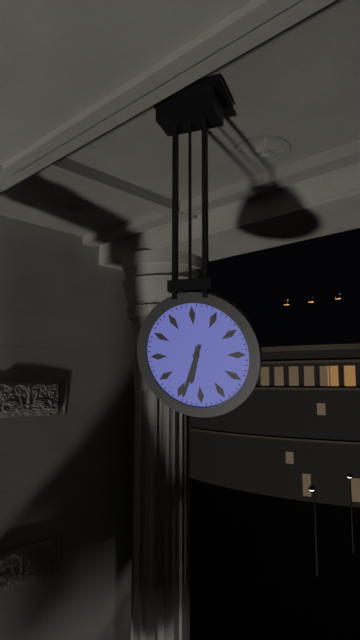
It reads h=6 m=34
